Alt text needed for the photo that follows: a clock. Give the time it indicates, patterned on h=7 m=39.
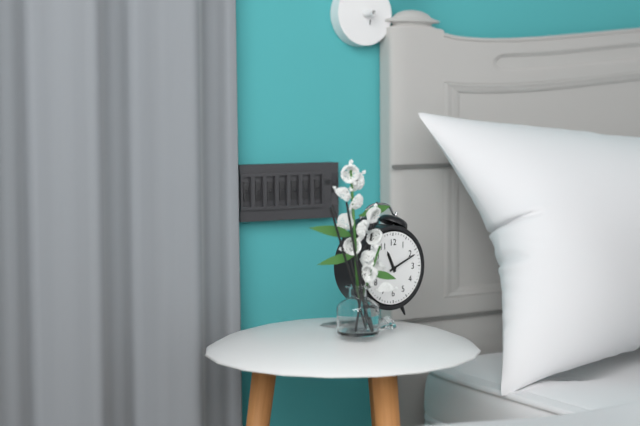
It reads h=11 m=11
